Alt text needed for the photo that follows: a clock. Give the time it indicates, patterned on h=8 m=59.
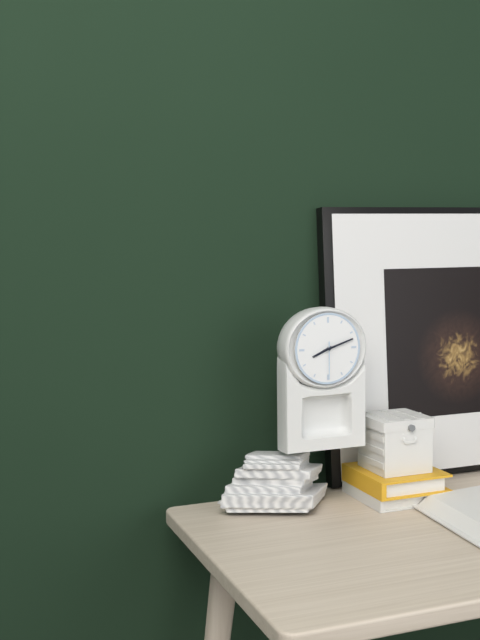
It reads h=8 m=12
